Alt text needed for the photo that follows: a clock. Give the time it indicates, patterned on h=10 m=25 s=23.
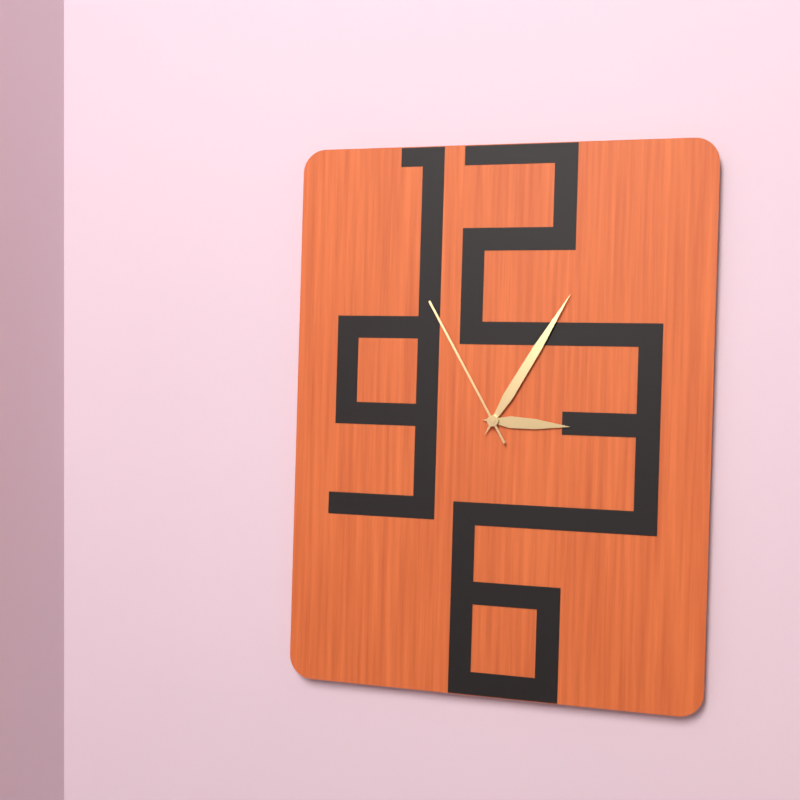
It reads h=3 m=5 s=55
